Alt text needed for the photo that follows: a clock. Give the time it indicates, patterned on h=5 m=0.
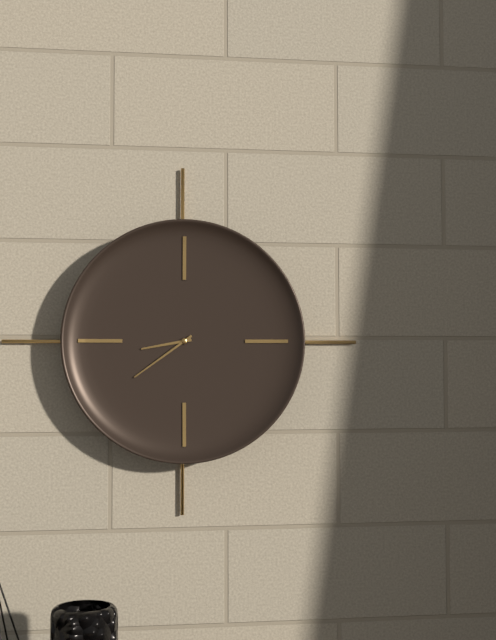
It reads h=8 m=39
